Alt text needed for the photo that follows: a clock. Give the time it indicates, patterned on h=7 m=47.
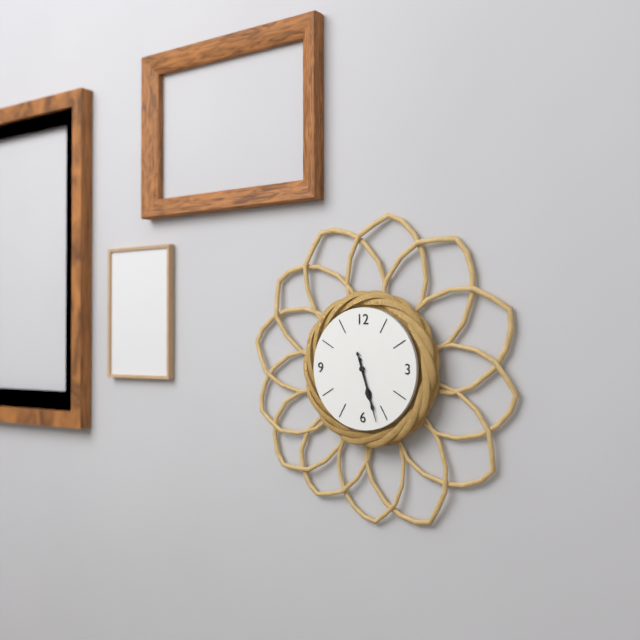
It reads h=5 m=27
